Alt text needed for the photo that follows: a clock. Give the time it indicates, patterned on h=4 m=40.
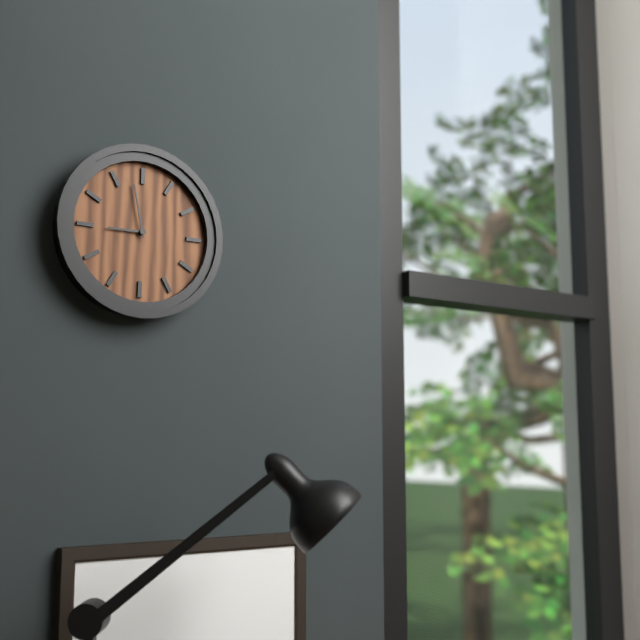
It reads h=8 m=58
